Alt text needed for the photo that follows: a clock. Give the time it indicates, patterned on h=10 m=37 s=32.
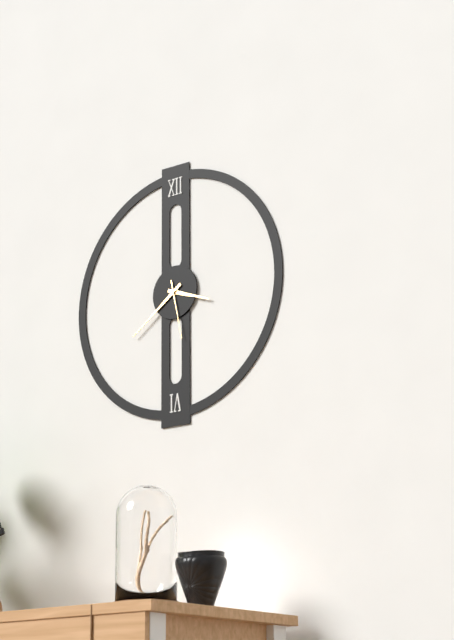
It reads h=3 m=39 s=28
